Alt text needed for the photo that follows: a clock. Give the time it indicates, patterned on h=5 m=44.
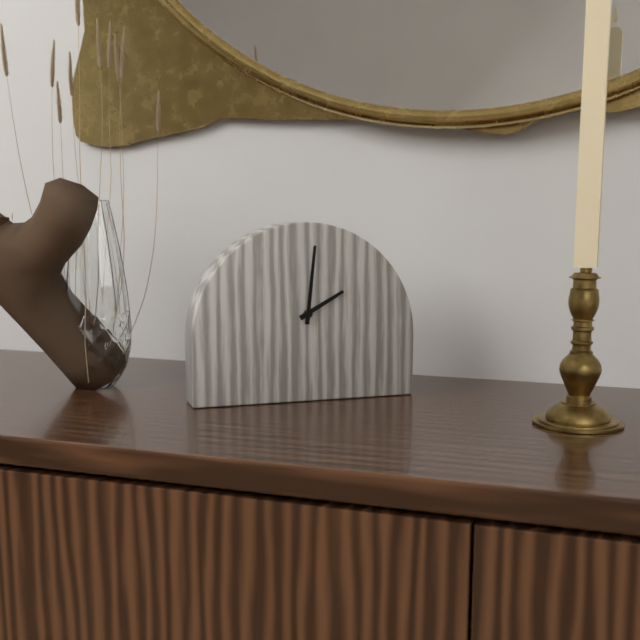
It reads h=2 m=1
